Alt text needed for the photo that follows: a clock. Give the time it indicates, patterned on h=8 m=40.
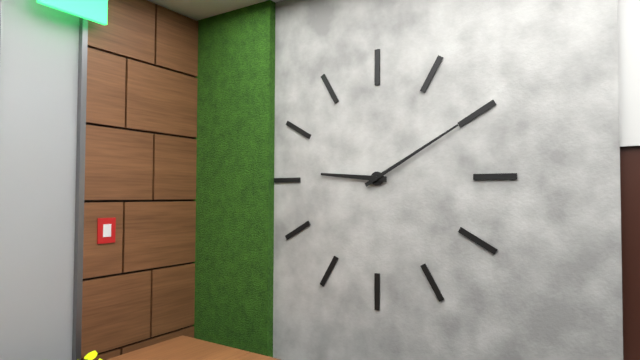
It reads h=9 m=10
